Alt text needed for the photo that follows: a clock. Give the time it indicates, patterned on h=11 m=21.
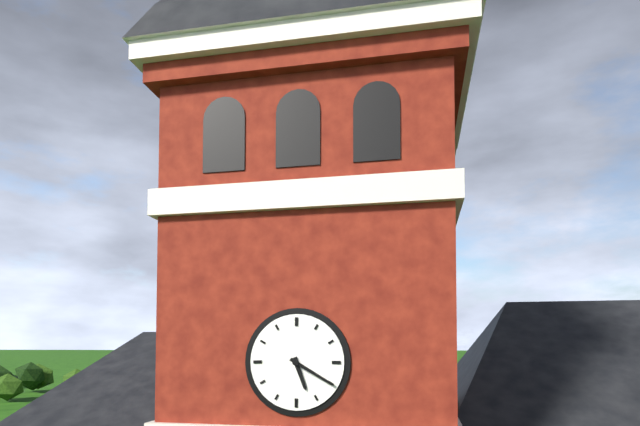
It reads h=5 m=20
